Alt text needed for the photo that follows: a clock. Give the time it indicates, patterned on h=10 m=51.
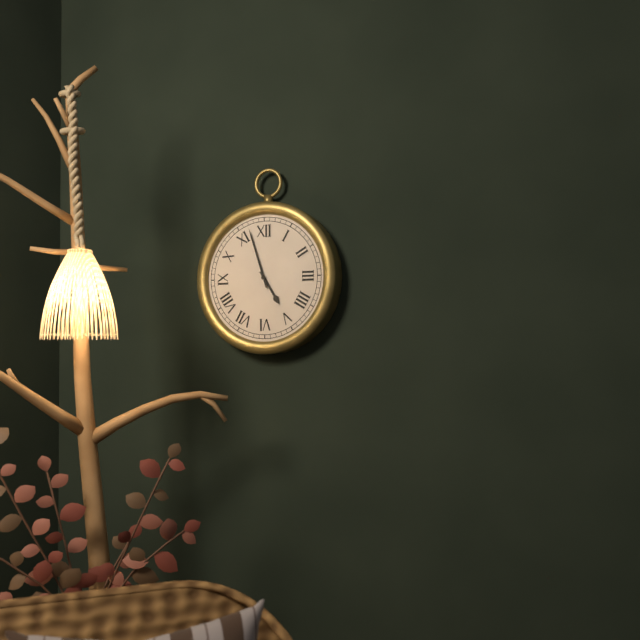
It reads h=4 m=57
